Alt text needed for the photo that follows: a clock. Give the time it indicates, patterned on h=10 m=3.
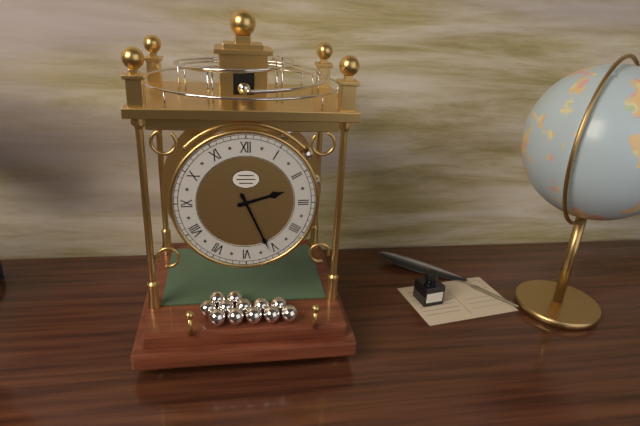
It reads h=2 m=26
